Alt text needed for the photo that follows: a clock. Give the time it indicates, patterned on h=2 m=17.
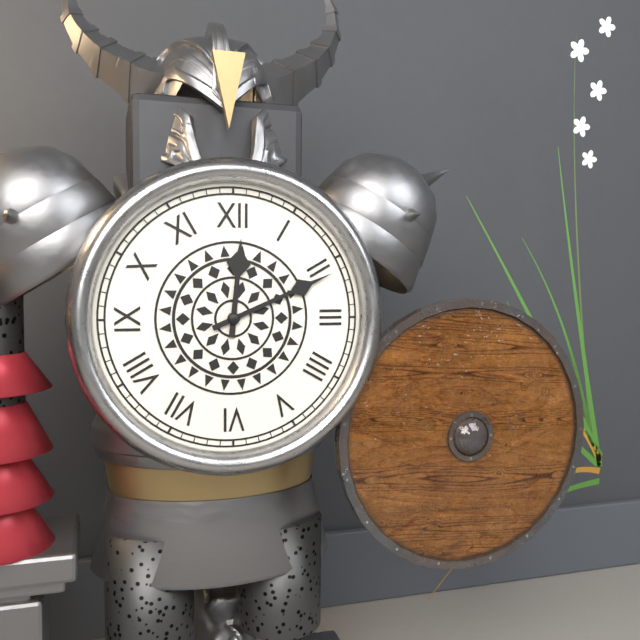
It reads h=12 m=11
